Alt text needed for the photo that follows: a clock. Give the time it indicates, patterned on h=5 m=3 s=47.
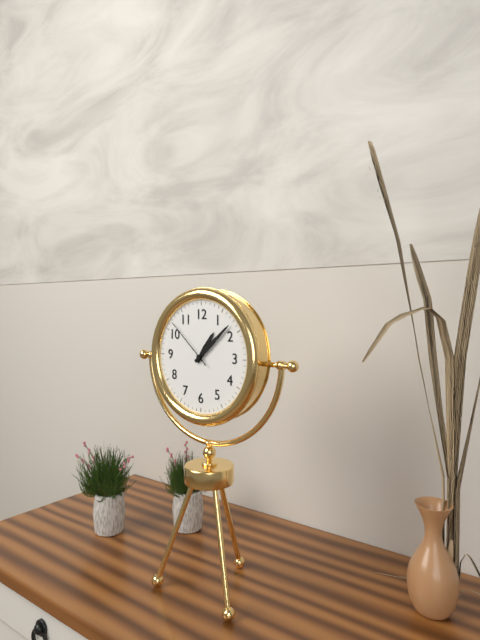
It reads h=1 m=8 s=52
